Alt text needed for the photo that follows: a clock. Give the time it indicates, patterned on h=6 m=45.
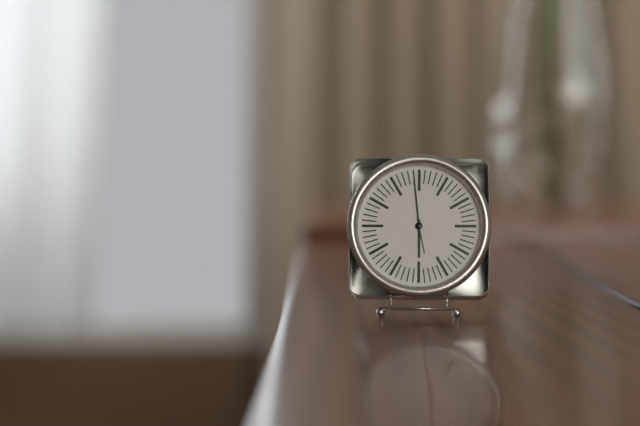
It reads h=5 m=59
